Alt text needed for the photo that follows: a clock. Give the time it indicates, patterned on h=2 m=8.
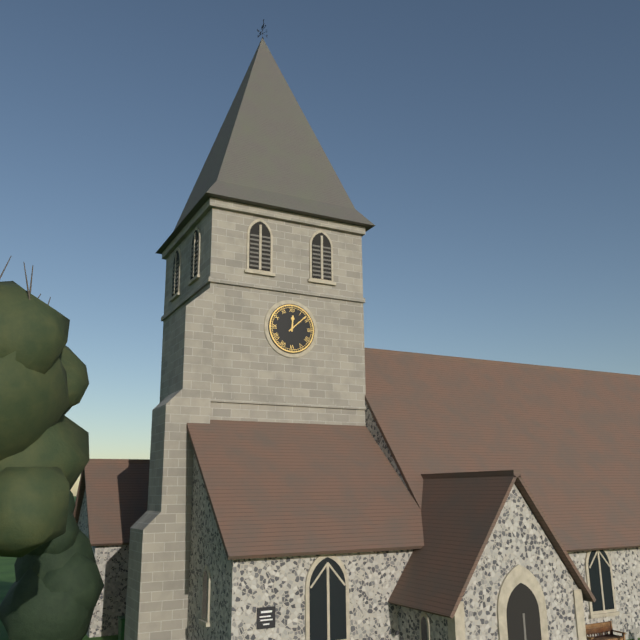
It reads h=12 m=8
